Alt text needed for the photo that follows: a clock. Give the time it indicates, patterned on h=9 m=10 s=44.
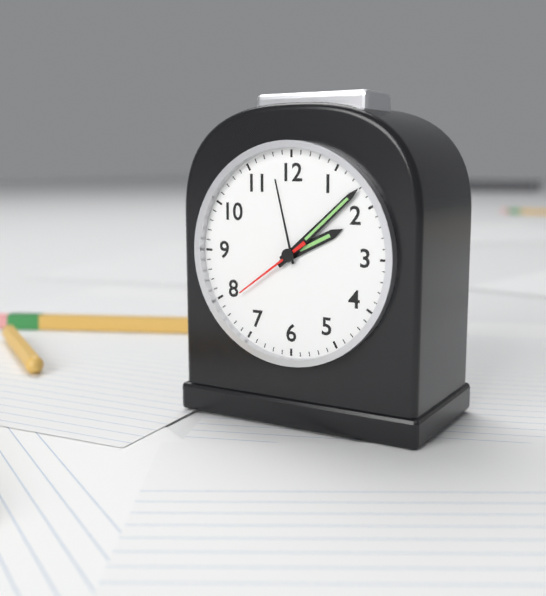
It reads h=2 m=8 s=39
